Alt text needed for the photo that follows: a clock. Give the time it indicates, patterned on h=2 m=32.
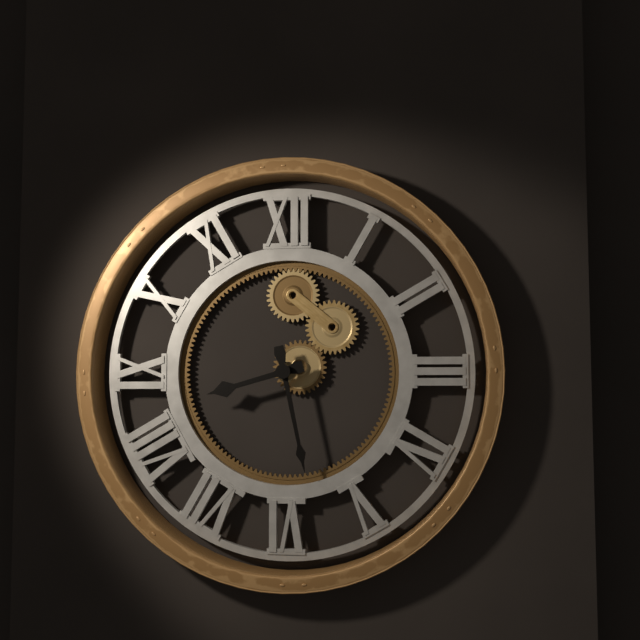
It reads h=8 m=28
